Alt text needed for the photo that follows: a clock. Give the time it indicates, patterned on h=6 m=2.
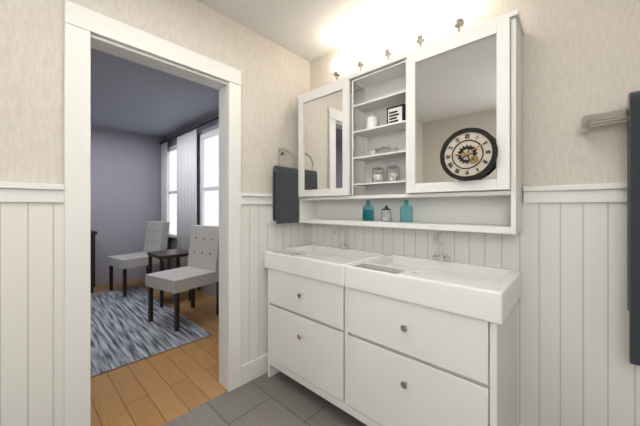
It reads h=9 m=10
